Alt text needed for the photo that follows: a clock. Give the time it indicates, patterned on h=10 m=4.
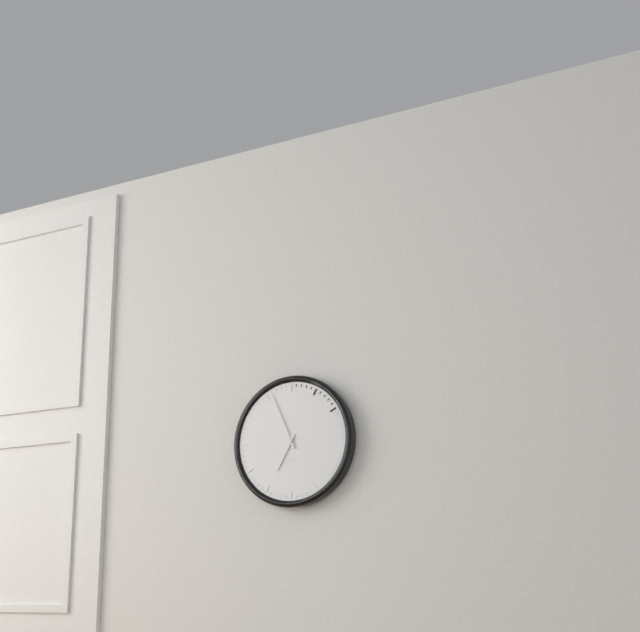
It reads h=6 m=56
